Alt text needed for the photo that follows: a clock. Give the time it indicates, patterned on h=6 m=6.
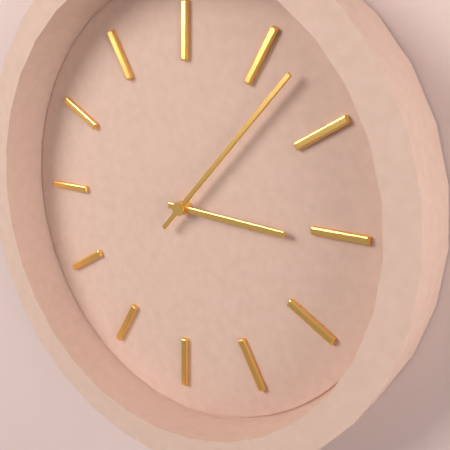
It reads h=3 m=7
